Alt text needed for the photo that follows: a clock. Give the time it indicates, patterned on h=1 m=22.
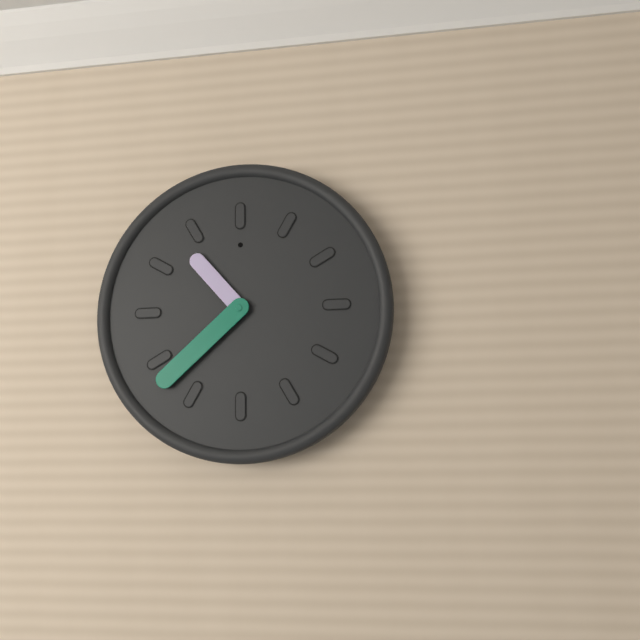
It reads h=10 m=38
